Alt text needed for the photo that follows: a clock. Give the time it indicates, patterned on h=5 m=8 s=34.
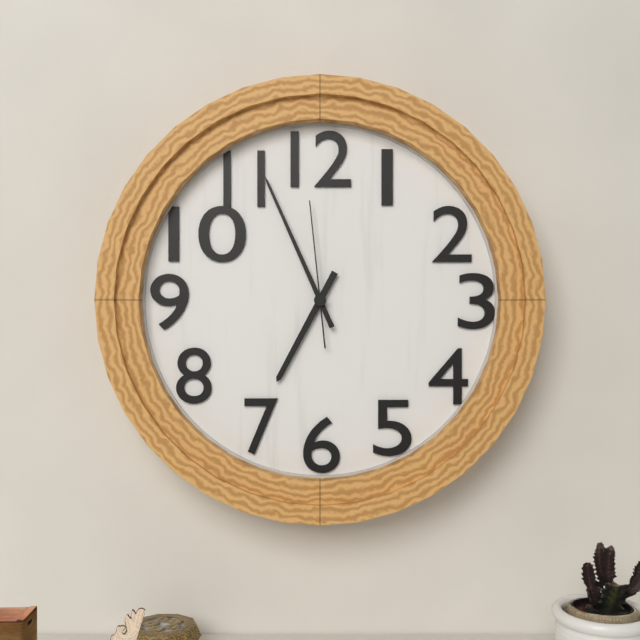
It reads h=6 m=56 s=59
